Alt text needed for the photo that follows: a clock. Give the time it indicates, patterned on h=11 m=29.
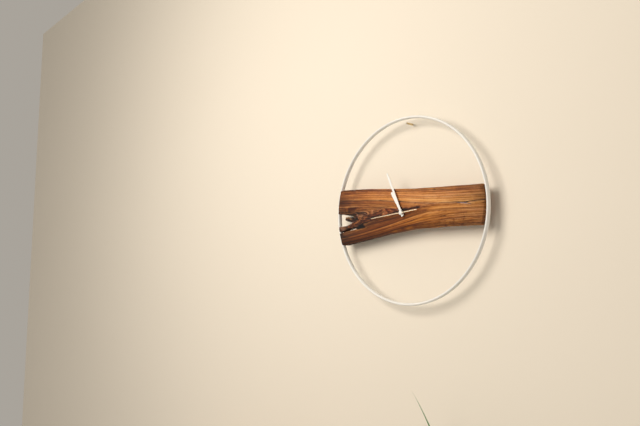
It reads h=10 m=56
